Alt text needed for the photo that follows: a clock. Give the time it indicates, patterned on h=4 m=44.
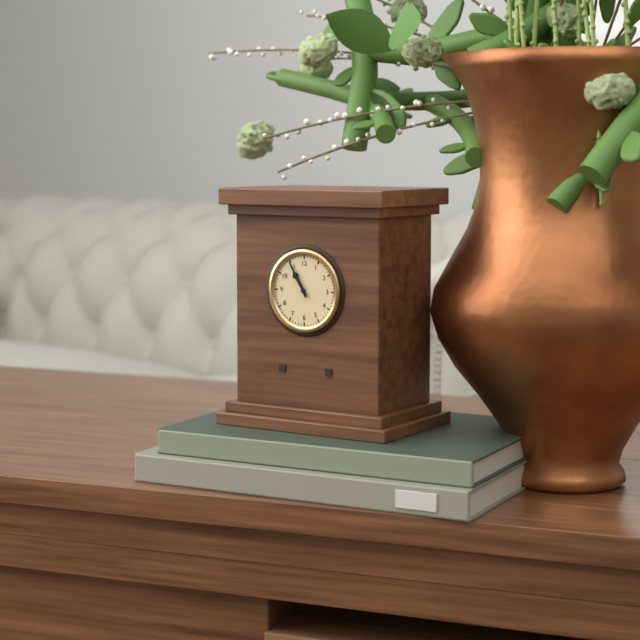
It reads h=10 m=55
